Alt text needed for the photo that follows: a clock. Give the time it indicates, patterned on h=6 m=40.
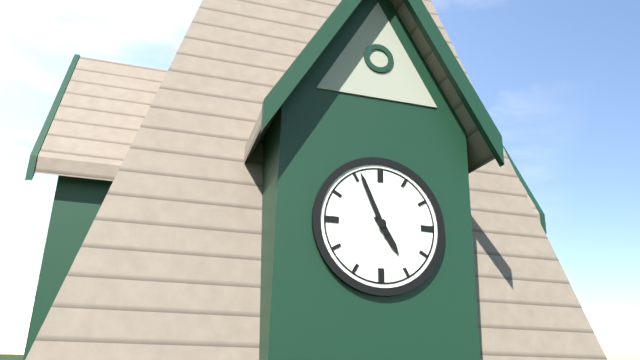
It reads h=4 m=56
